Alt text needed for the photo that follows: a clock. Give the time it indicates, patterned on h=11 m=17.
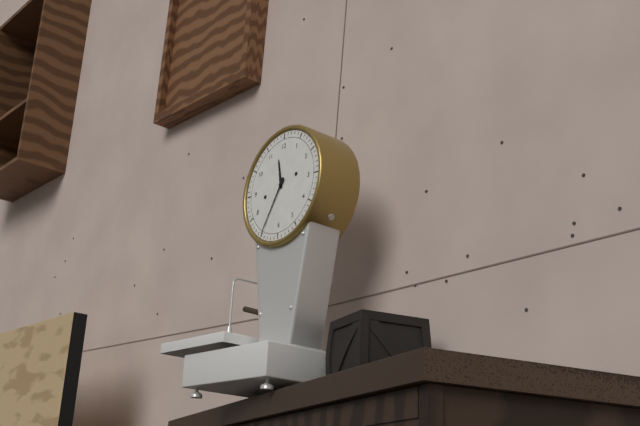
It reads h=11 m=35
